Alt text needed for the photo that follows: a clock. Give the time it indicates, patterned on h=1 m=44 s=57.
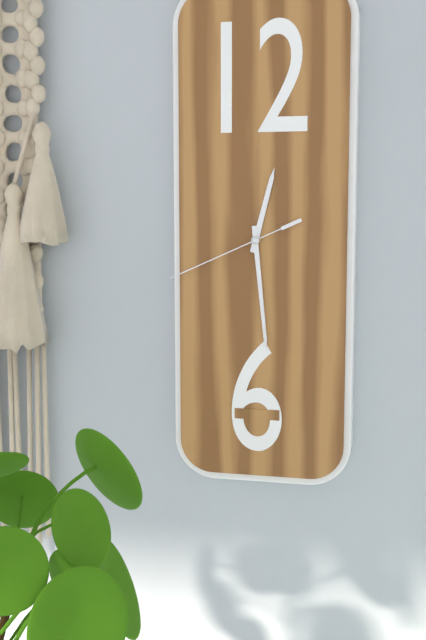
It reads h=12 m=29 s=41
